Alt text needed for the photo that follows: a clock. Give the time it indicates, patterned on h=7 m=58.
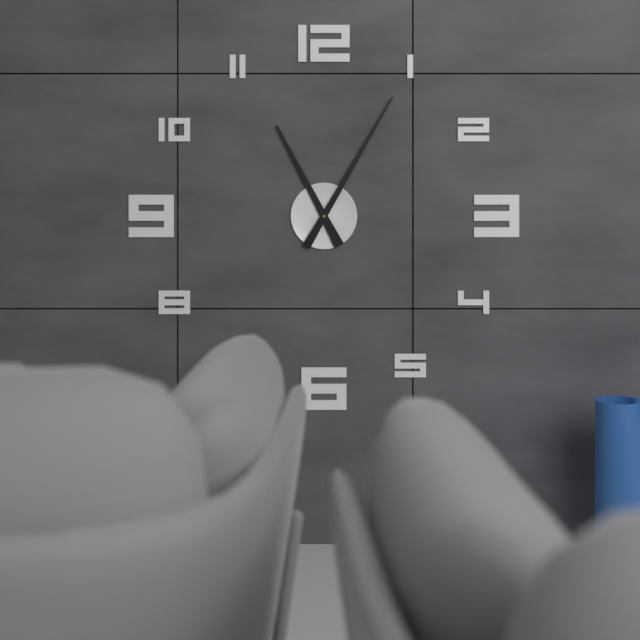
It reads h=11 m=5
